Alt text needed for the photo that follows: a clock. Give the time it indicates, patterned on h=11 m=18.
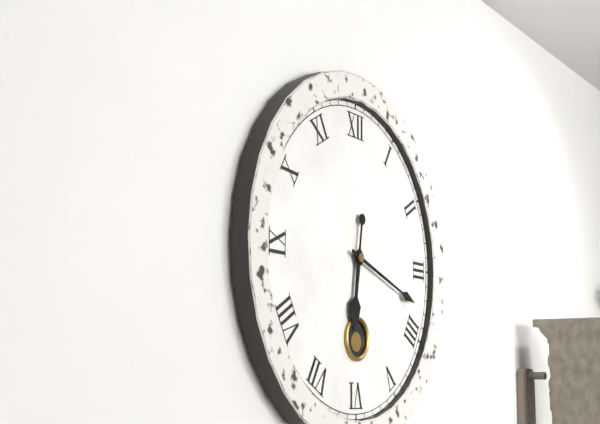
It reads h=6 m=18
